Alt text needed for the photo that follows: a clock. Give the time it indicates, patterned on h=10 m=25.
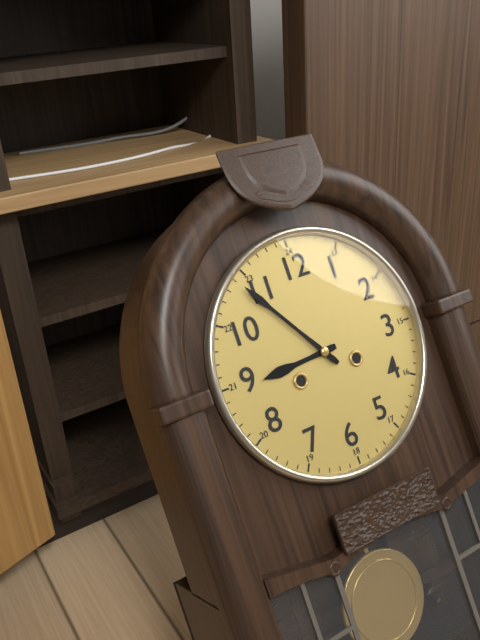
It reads h=8 m=54
